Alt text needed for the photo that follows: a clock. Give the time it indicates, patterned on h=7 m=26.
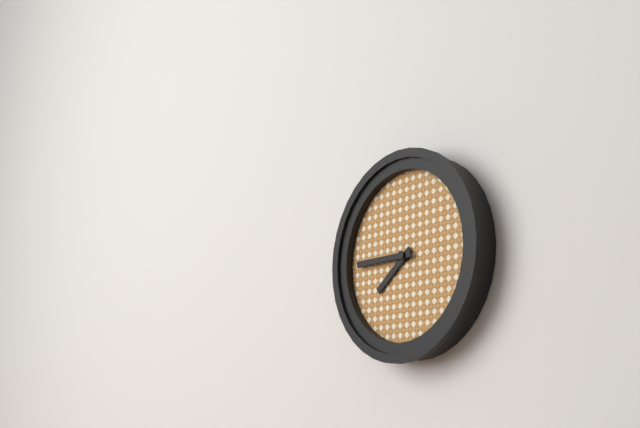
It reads h=7 m=45
